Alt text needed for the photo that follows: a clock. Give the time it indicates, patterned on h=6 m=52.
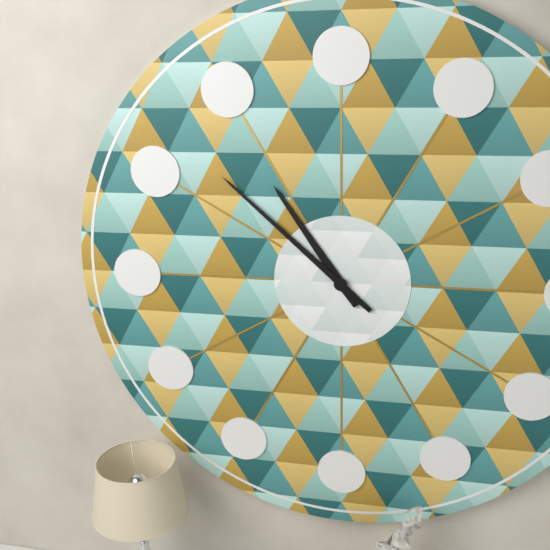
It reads h=10 m=52
